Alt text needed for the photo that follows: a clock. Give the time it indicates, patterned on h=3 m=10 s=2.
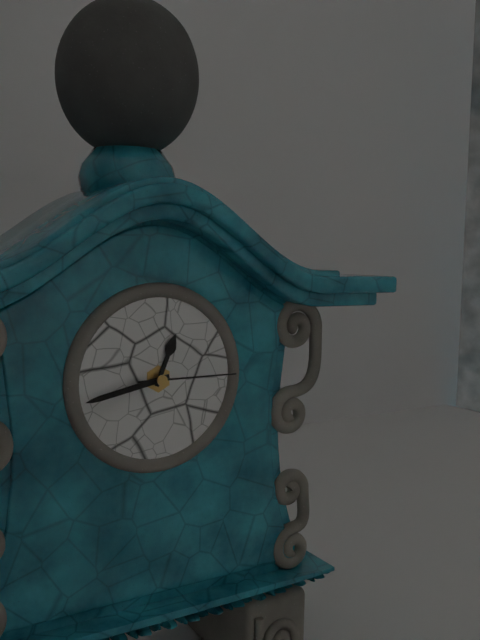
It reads h=12 m=43 s=15
